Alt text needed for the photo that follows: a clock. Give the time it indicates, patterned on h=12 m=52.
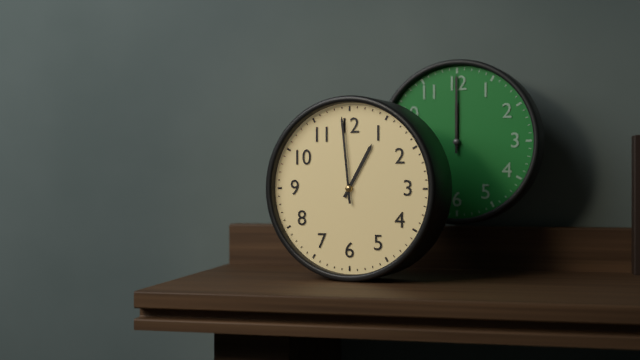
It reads h=12 m=59
